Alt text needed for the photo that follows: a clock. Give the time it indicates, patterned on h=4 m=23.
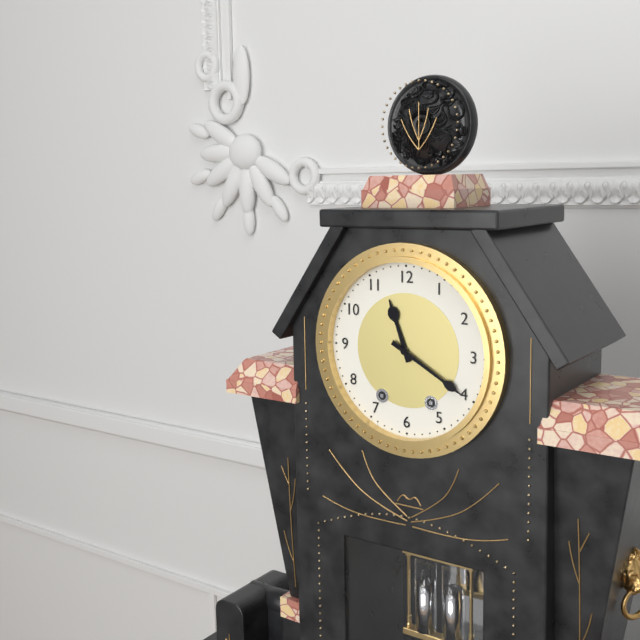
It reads h=11 m=20
